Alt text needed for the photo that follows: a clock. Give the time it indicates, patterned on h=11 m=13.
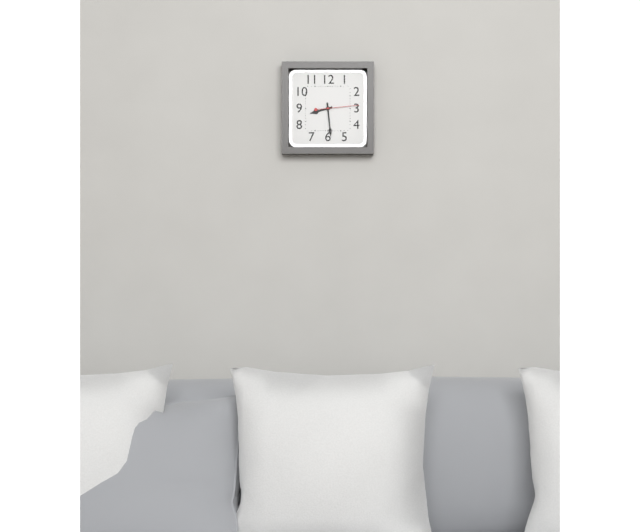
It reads h=8 m=29
